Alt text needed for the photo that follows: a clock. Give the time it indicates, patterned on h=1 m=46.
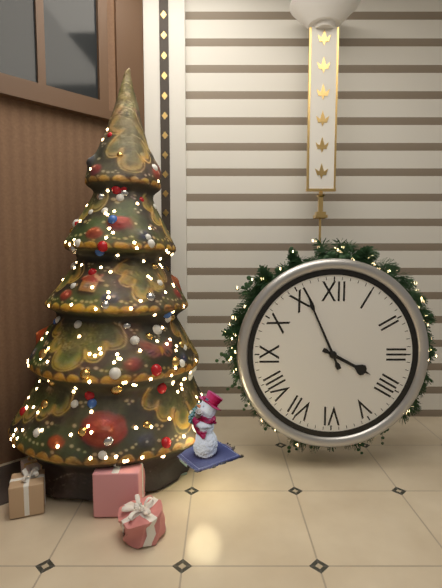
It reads h=3 m=56
